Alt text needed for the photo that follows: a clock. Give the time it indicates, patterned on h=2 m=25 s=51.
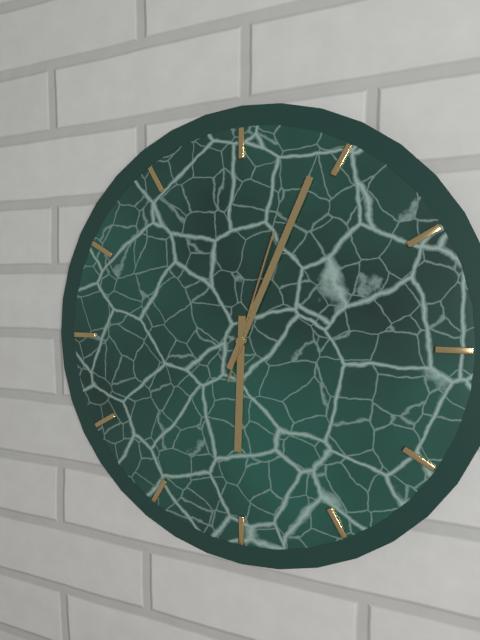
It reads h=6 m=4 s=3
